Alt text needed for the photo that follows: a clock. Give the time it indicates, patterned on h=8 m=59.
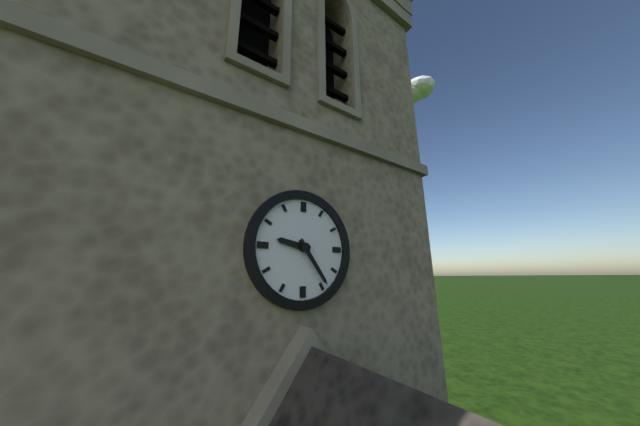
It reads h=9 m=24
